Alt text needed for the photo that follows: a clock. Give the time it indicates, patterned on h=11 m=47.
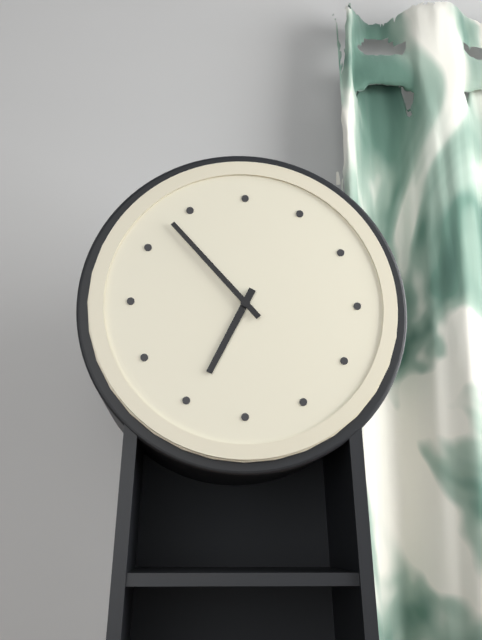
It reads h=6 m=53
